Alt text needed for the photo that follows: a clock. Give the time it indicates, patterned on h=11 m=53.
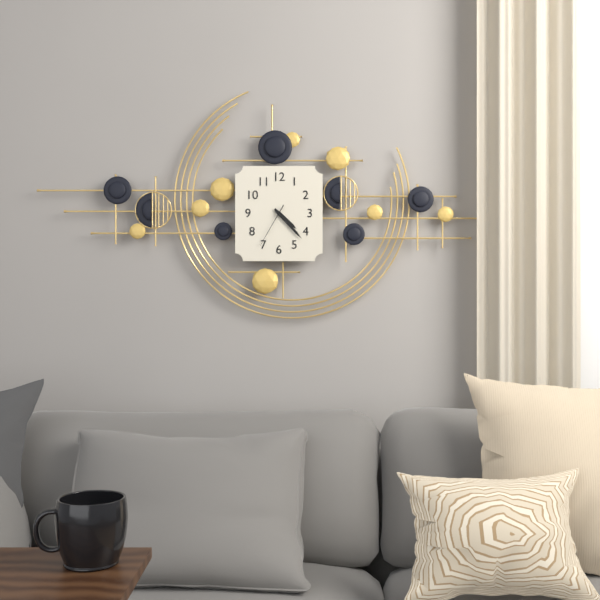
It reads h=4 m=23
